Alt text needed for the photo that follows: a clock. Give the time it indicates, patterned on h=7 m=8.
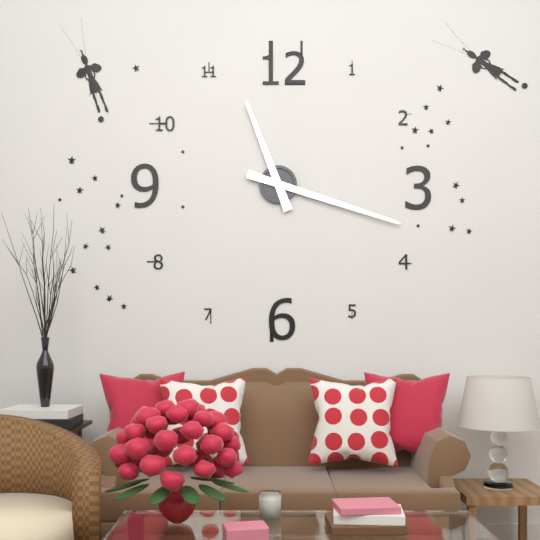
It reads h=11 m=18
